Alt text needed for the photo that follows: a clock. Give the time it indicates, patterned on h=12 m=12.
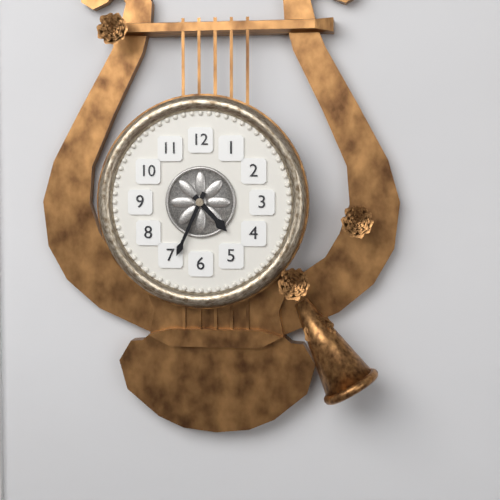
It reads h=4 m=34
